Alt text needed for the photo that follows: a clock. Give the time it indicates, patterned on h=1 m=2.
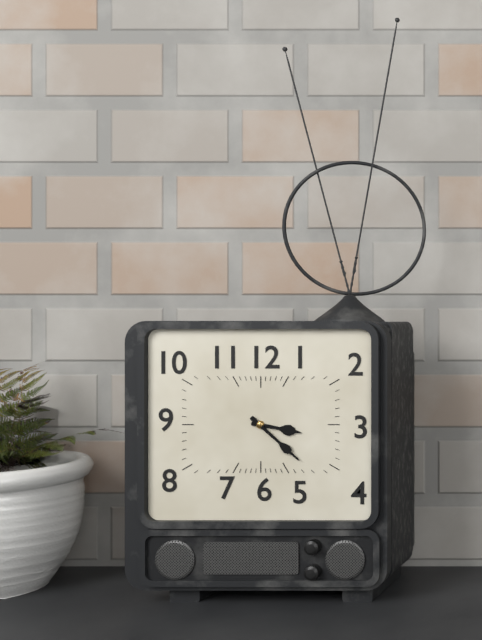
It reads h=3 m=22
